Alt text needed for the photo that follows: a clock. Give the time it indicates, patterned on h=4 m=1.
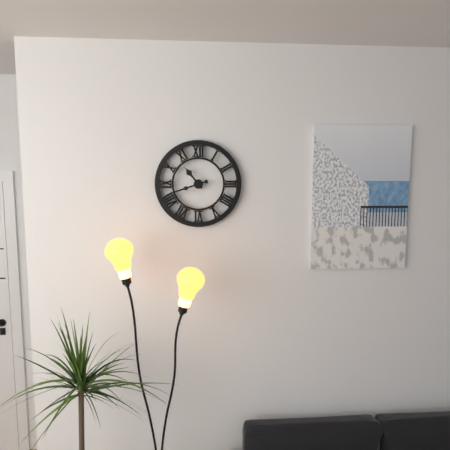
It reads h=10 m=42
